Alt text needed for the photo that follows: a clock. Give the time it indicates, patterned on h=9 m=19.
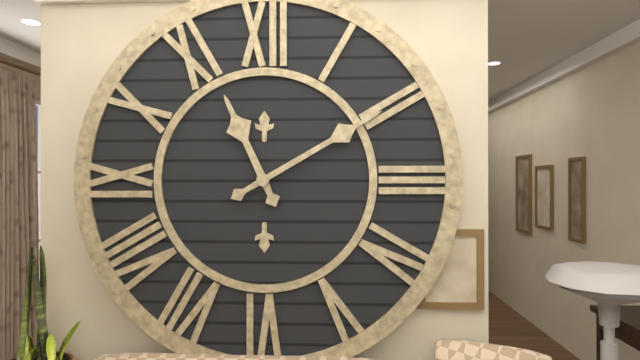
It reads h=11 m=10
